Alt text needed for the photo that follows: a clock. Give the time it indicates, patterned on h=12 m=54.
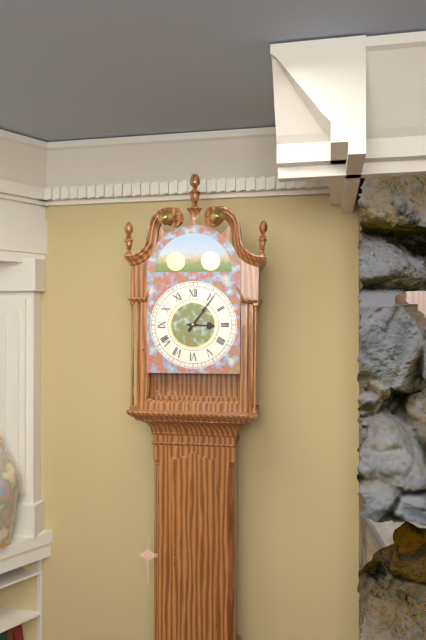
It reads h=3 m=6
